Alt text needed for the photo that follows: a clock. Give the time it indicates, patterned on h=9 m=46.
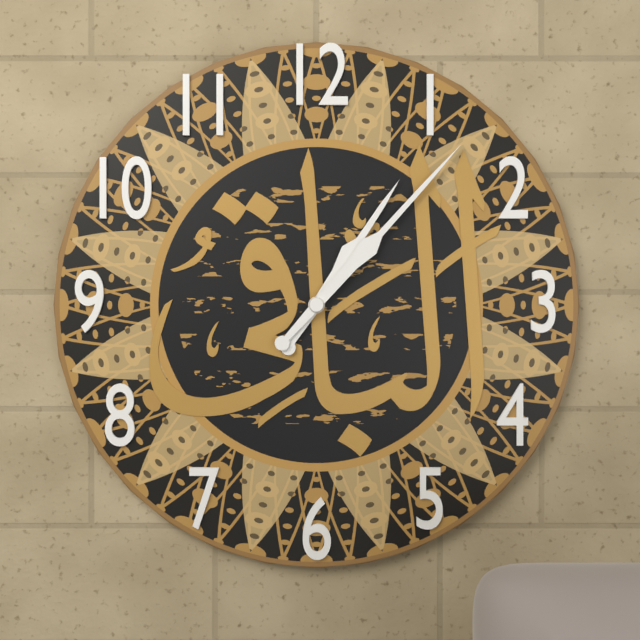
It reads h=1 m=7
